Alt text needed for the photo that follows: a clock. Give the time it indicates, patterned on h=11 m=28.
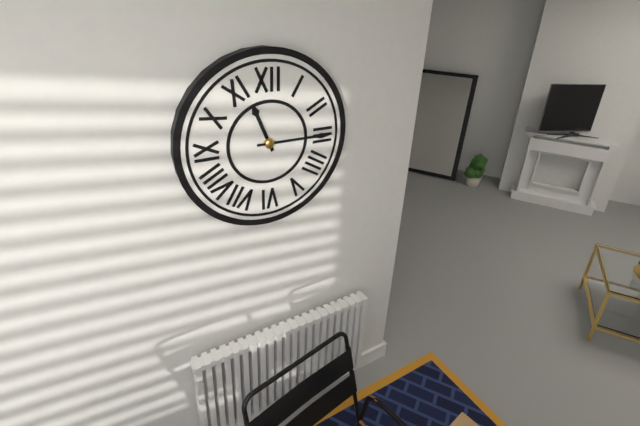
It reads h=11 m=15
